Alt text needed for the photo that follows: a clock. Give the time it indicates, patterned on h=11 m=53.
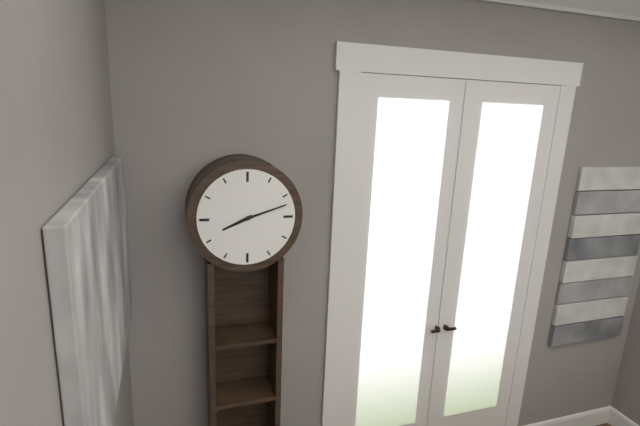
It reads h=8 m=12
